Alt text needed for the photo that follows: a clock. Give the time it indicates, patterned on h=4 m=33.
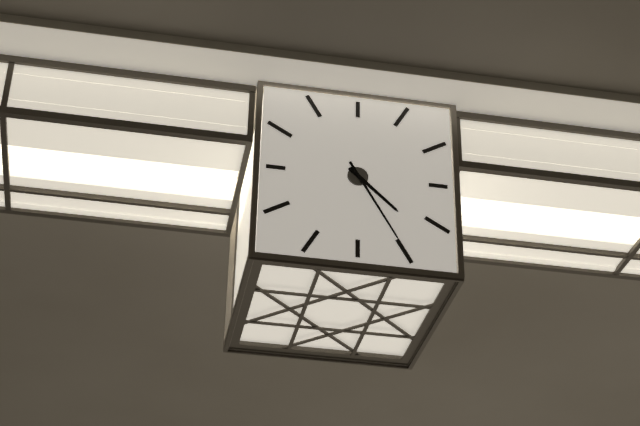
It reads h=4 m=25
